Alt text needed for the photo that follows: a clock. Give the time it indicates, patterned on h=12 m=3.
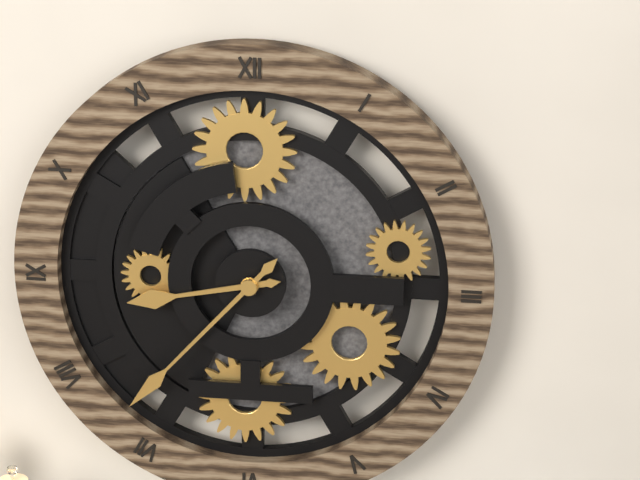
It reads h=8 m=37
